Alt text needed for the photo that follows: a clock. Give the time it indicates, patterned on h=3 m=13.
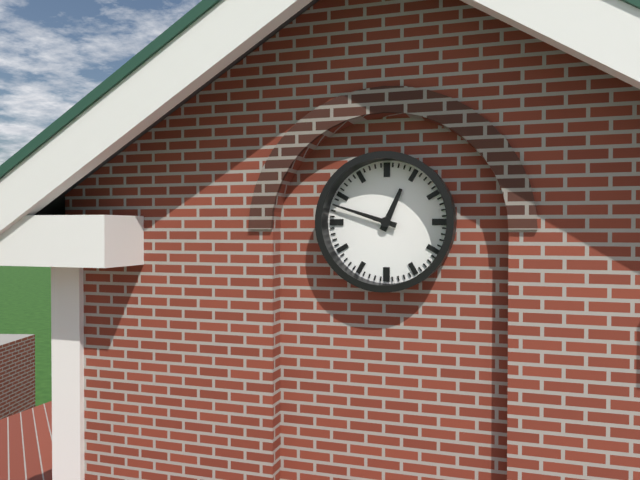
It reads h=12 m=48
